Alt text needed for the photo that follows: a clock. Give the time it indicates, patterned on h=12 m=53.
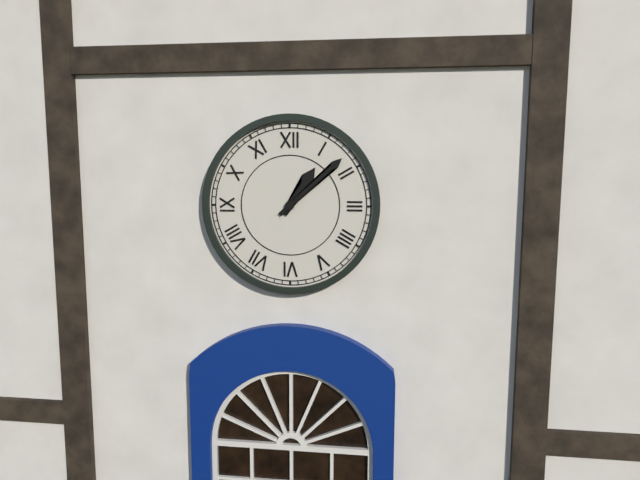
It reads h=1 m=8
